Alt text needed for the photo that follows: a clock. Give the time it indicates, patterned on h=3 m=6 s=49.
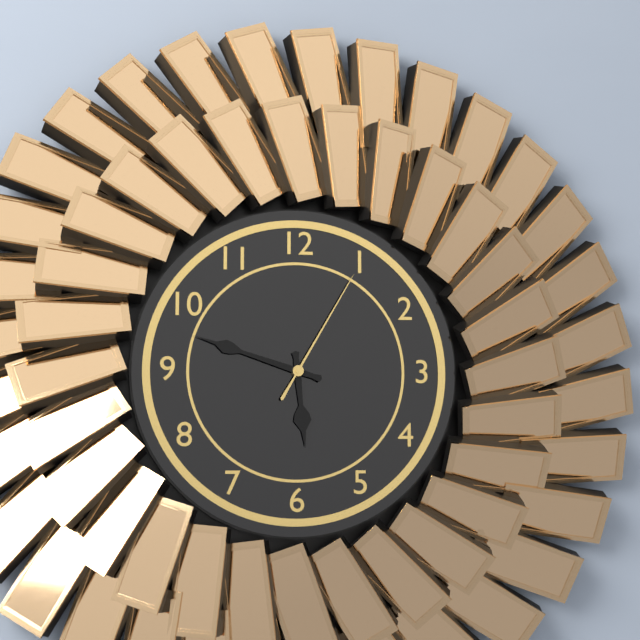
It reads h=5 m=48 s=5
